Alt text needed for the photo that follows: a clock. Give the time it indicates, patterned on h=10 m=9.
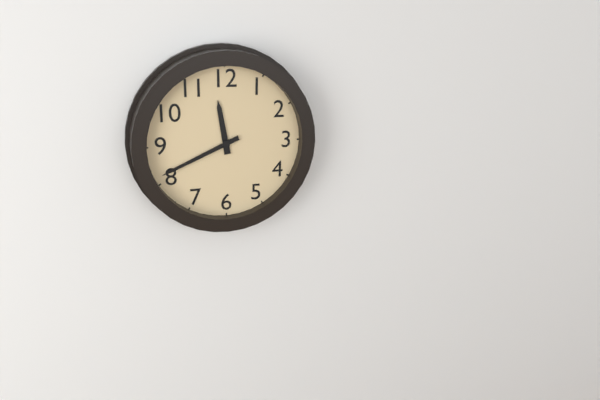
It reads h=11 m=41
